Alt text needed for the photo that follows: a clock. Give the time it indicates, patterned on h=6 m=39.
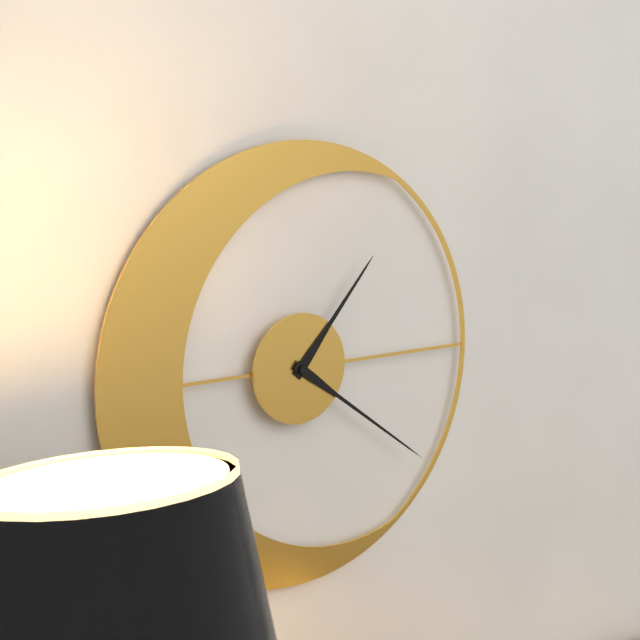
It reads h=1 m=21
